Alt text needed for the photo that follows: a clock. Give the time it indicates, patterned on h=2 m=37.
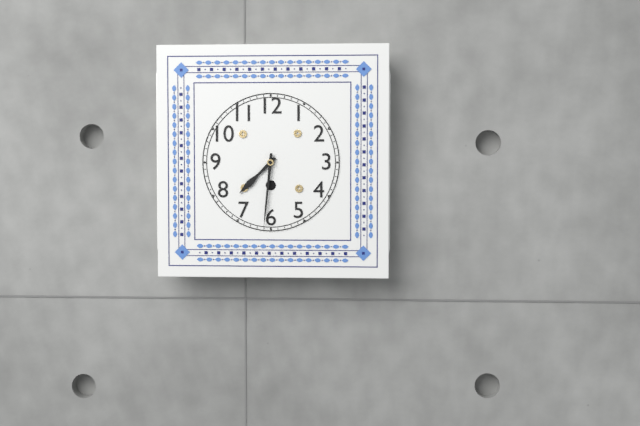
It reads h=7 m=31
